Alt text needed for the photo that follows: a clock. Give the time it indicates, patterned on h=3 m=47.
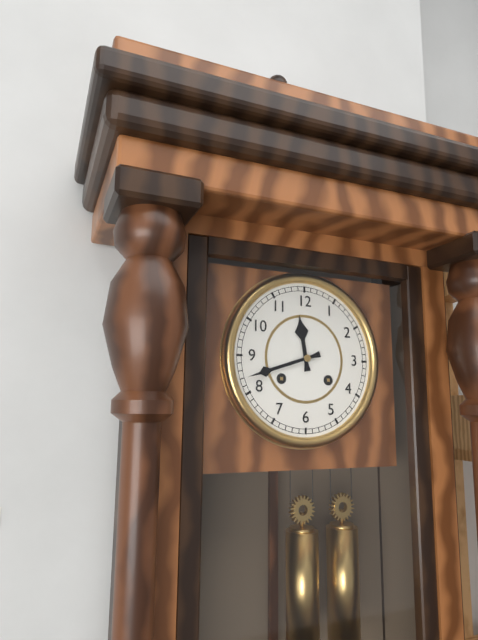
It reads h=11 m=42
